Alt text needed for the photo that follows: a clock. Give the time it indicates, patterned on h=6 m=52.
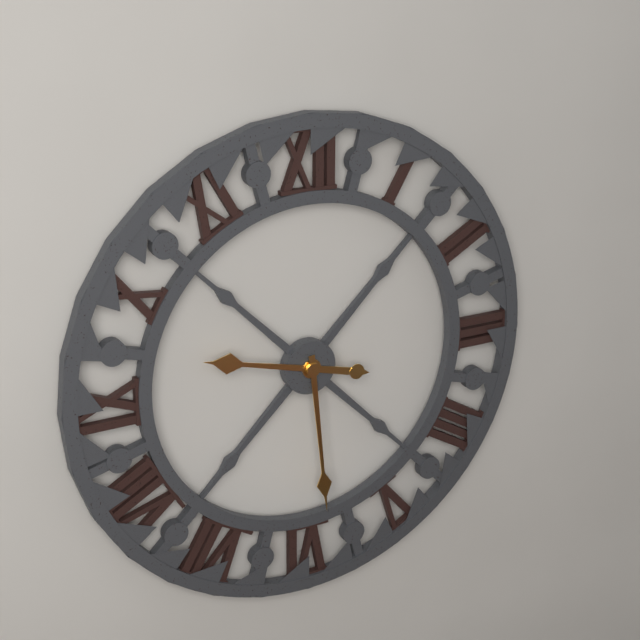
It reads h=9 m=29
